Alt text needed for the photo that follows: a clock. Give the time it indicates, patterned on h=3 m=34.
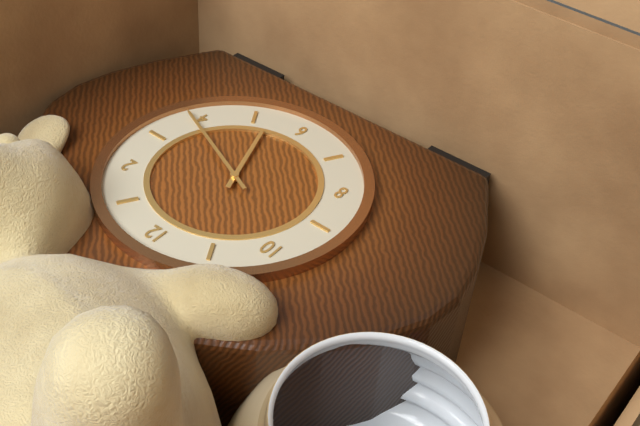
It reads h=5 m=19
